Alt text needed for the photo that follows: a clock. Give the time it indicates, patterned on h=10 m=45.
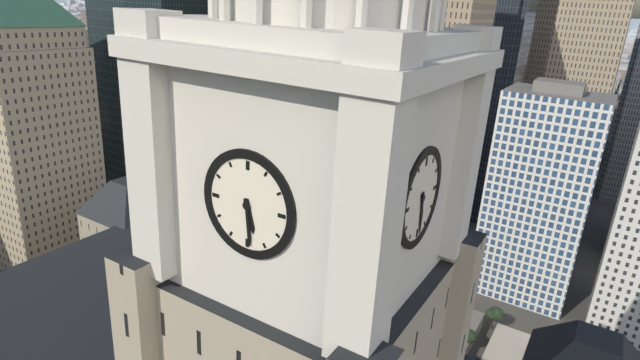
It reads h=5 m=29
